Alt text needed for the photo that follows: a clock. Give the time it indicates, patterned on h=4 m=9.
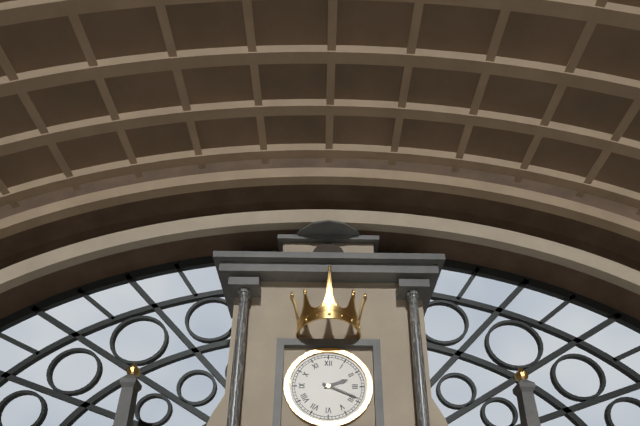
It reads h=2 m=19
